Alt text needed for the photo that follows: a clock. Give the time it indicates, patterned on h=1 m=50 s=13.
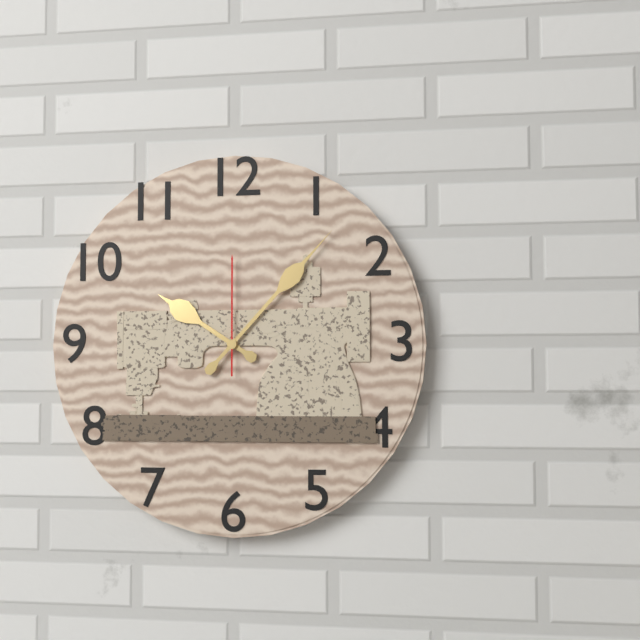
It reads h=10 m=7 s=0
